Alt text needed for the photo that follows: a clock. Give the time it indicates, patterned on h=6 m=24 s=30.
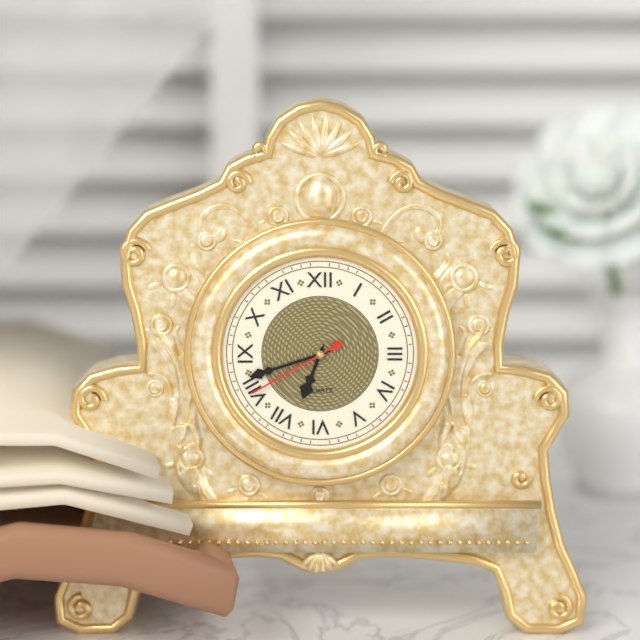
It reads h=6 m=42 s=40
